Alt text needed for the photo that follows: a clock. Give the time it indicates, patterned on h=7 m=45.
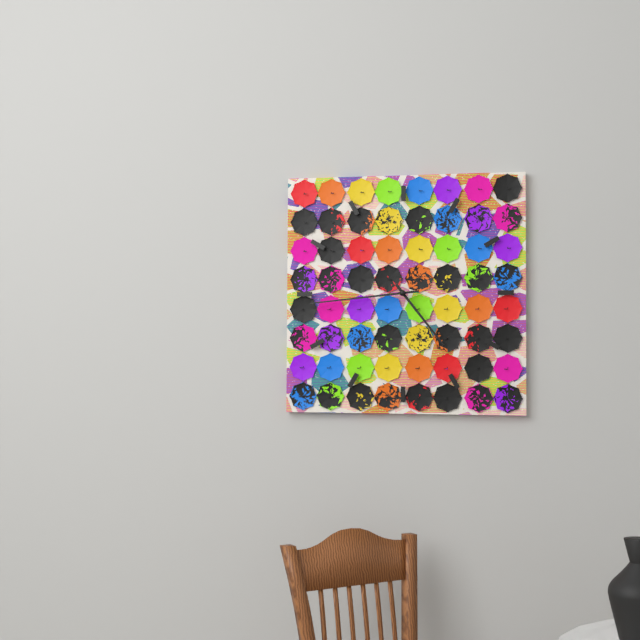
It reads h=4 m=44
